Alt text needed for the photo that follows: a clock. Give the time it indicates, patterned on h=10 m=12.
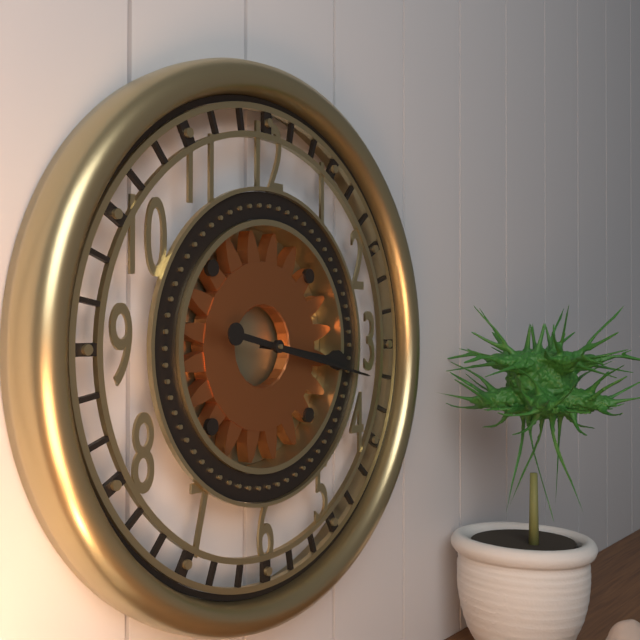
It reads h=3 m=17
